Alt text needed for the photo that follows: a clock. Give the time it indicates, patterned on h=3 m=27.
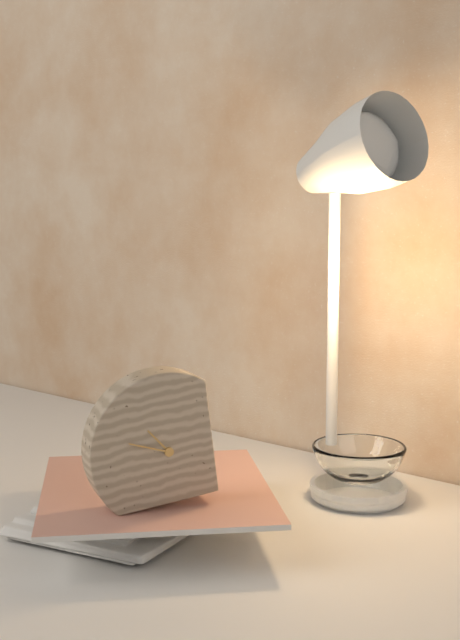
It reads h=10 m=49
